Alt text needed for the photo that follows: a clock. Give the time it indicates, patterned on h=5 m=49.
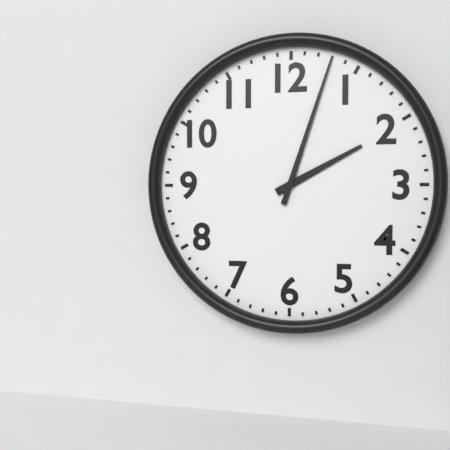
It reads h=2 m=3
